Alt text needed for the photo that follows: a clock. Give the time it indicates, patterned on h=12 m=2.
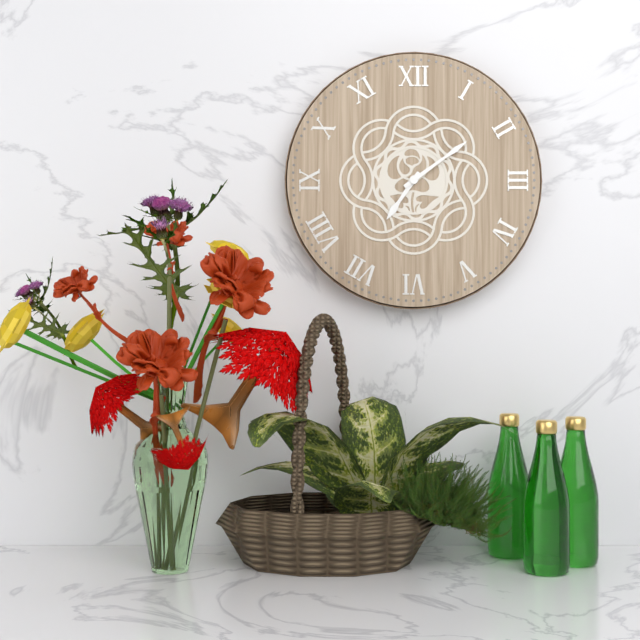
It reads h=7 m=9
